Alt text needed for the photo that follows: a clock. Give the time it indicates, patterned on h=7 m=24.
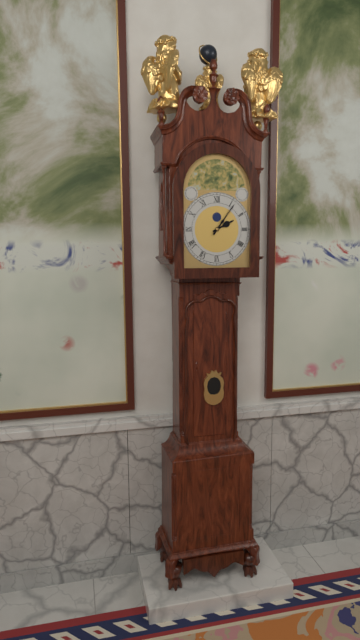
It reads h=2 m=6
